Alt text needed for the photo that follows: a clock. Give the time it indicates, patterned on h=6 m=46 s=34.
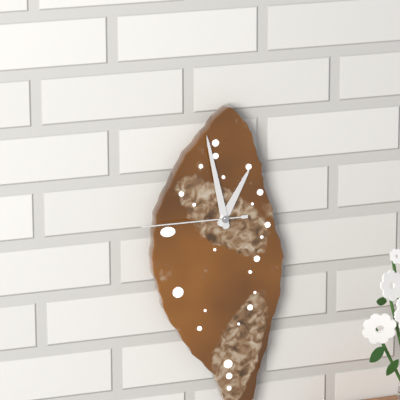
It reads h=12 m=58 s=45
